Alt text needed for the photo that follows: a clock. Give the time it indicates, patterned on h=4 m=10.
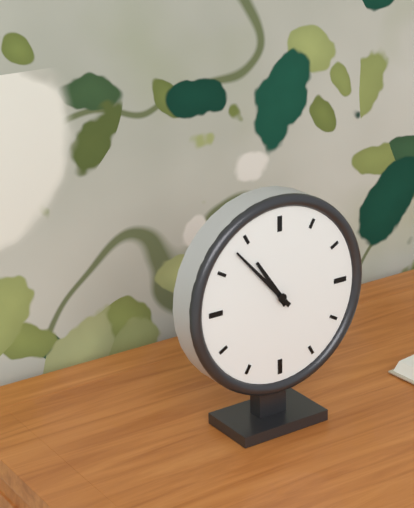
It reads h=10 m=53
